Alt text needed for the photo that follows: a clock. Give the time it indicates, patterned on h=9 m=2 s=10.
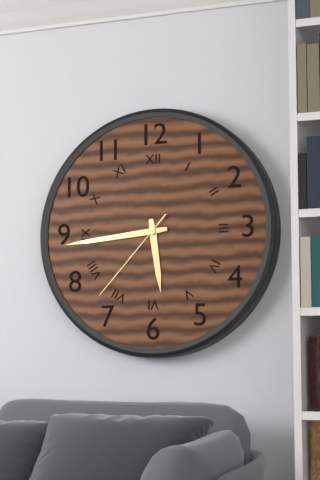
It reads h=5 m=44 s=37
